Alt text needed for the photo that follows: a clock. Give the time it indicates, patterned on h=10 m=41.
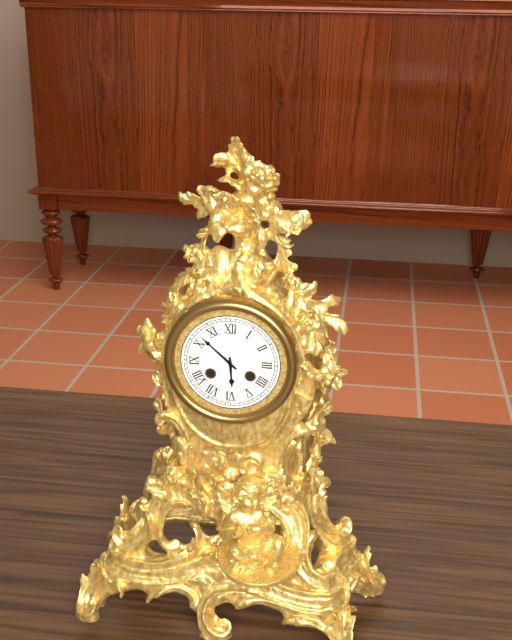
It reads h=5 m=52
